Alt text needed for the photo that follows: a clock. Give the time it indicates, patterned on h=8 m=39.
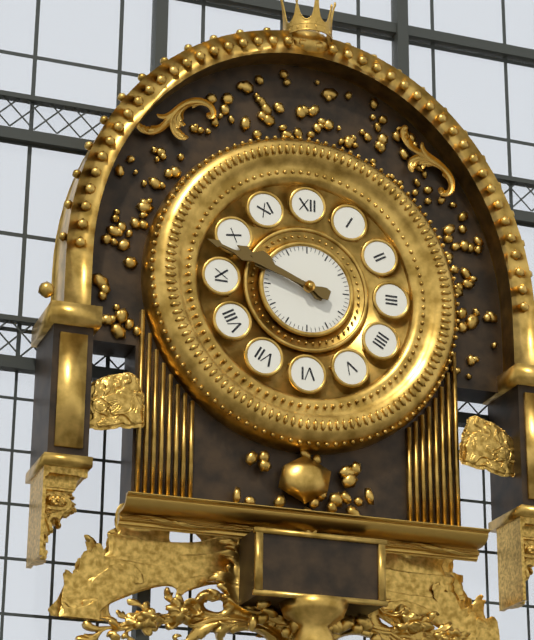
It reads h=9 m=48
